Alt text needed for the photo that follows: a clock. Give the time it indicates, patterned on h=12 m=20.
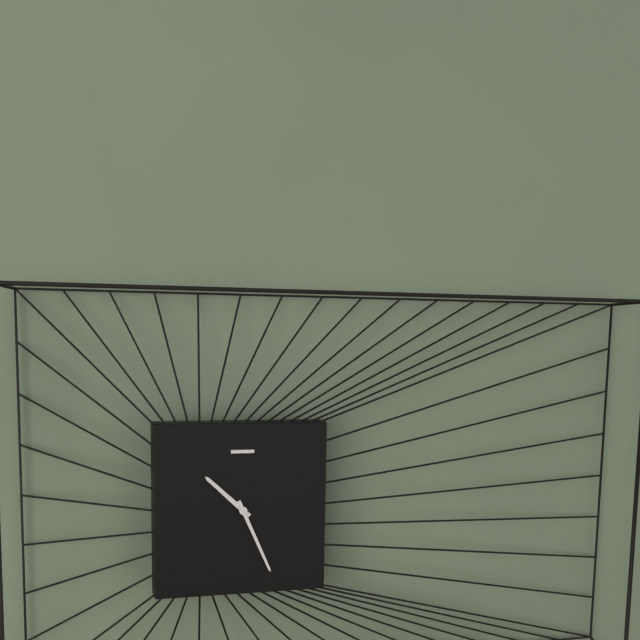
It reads h=10 m=26
